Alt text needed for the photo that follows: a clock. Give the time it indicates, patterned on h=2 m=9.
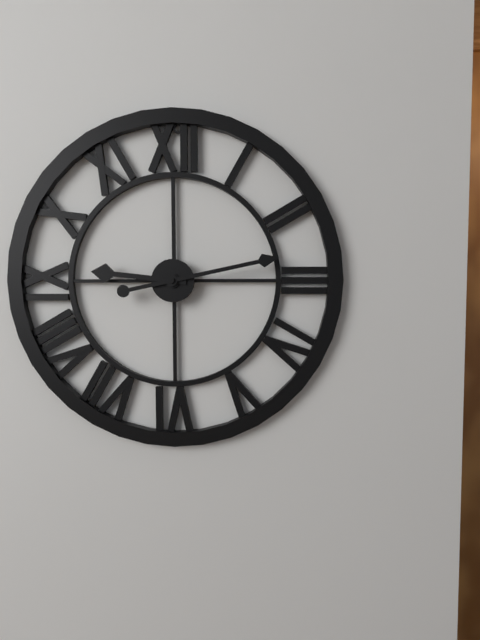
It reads h=9 m=13
